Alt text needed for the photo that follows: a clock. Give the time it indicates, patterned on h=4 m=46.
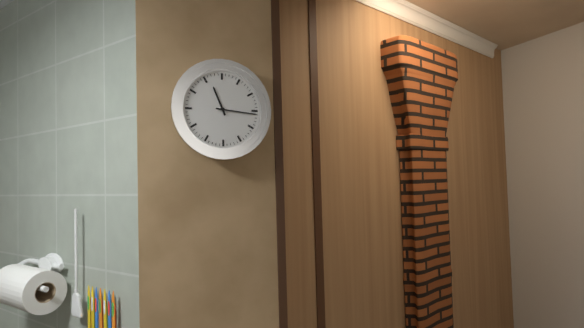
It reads h=11 m=16
